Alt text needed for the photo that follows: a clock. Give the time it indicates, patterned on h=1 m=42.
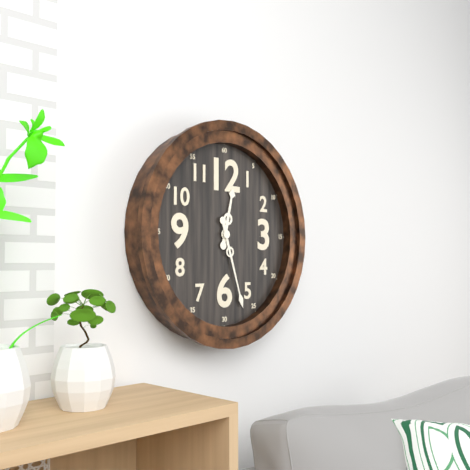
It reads h=12 m=27
